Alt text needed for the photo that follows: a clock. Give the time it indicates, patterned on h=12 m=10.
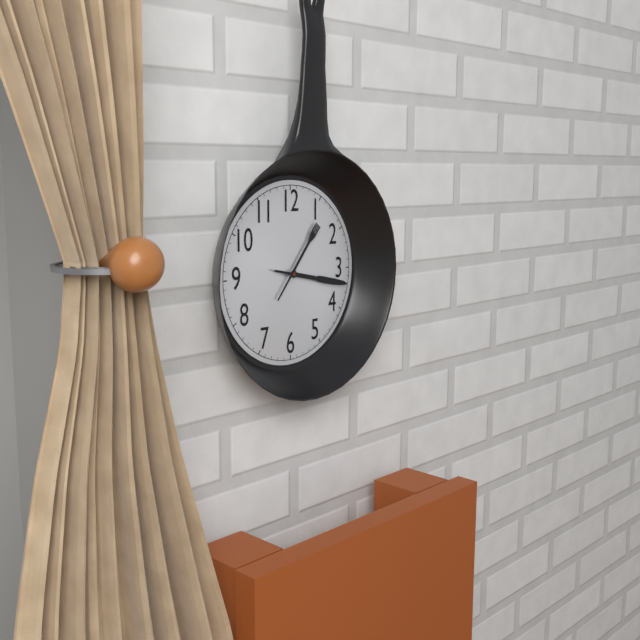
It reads h=1 m=17
